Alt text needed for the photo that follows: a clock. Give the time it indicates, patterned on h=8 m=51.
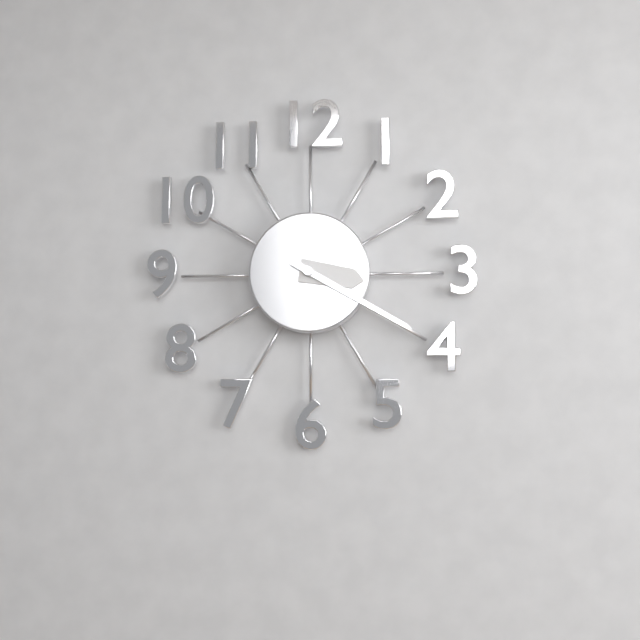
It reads h=3 m=20
